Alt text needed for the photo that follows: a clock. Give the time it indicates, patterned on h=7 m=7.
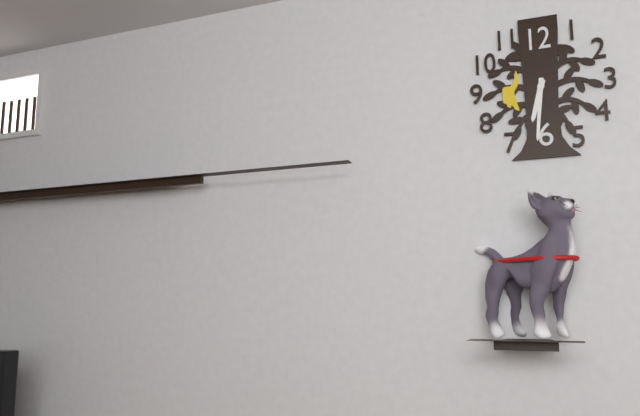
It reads h=6 m=31
